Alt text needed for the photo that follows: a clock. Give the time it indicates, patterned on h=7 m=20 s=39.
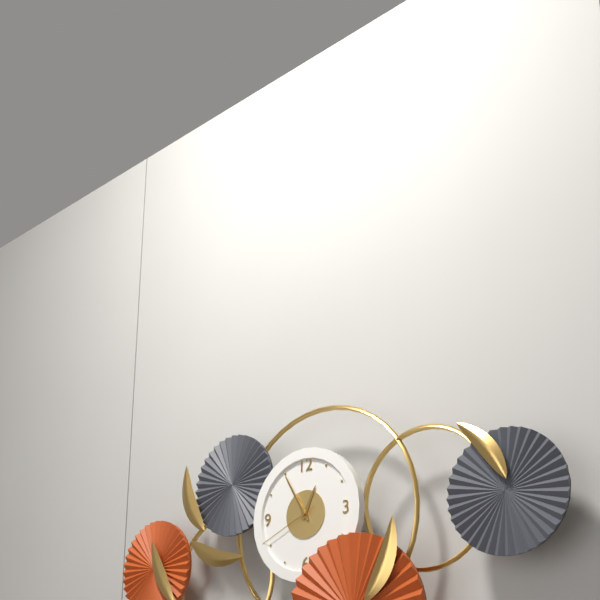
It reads h=12 m=55 s=41
